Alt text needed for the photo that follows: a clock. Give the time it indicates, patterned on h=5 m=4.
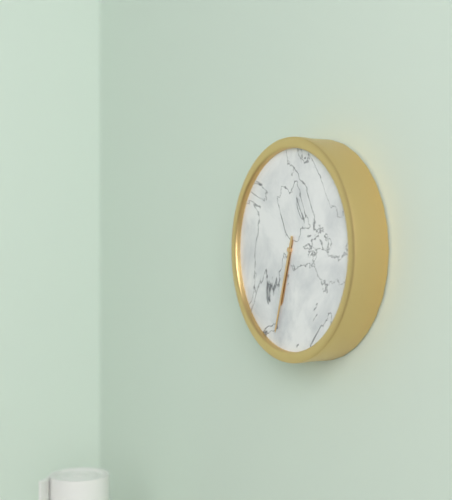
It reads h=6 m=33
